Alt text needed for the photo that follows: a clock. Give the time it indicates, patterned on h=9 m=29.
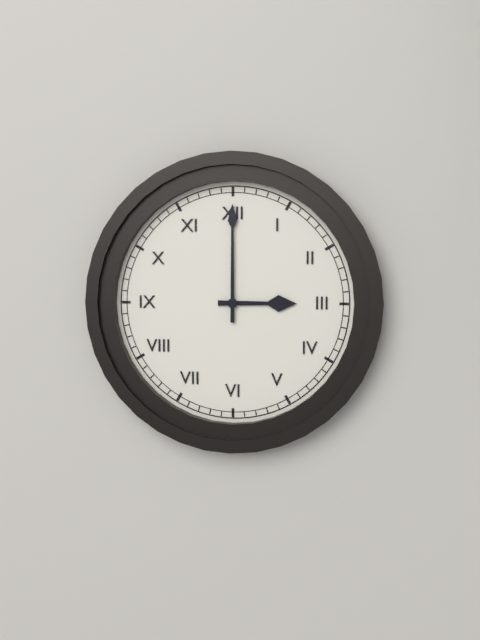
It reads h=3 m=0
